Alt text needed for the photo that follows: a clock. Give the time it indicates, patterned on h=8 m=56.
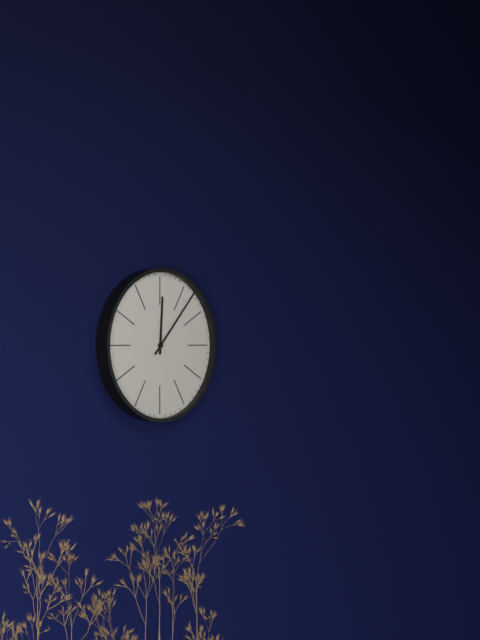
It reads h=12 m=7
